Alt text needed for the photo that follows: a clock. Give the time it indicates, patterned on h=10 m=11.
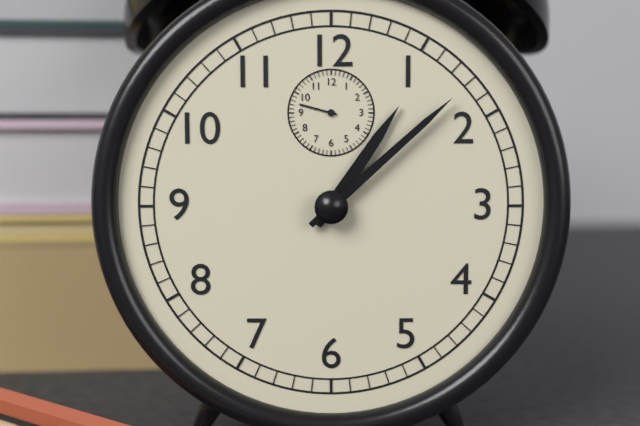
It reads h=1 m=8
